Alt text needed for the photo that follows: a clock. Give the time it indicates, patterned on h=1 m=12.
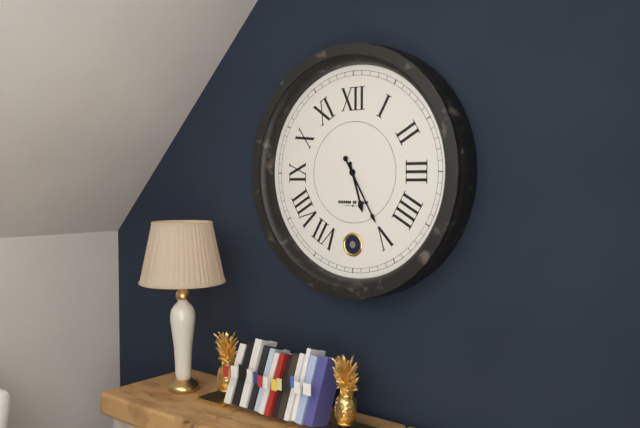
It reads h=5 m=25
